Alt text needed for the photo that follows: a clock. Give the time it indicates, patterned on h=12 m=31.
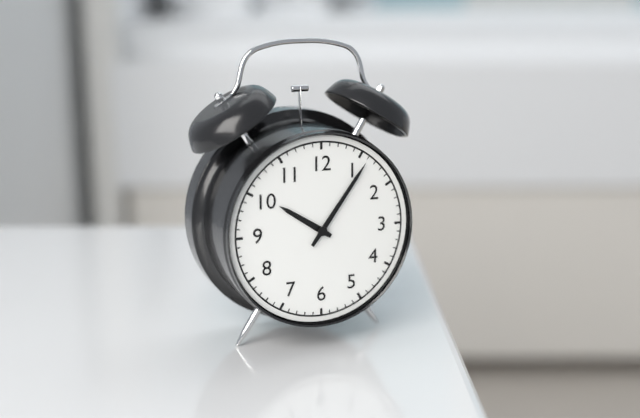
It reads h=10 m=6
